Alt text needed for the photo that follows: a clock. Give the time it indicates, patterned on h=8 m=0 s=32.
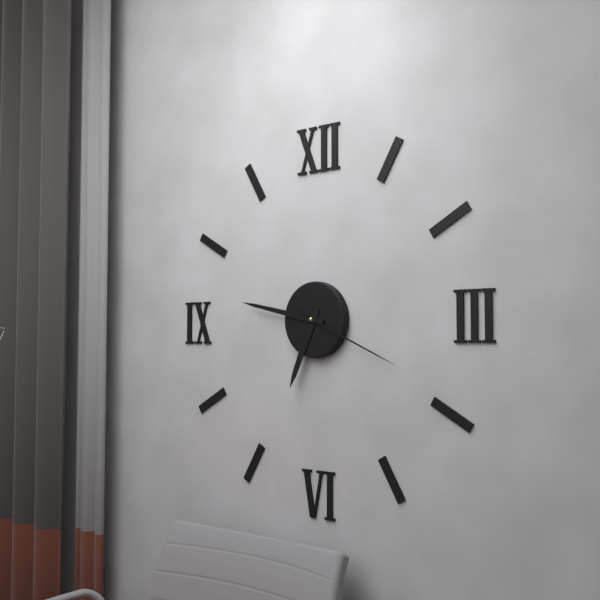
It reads h=6 m=47 s=19
